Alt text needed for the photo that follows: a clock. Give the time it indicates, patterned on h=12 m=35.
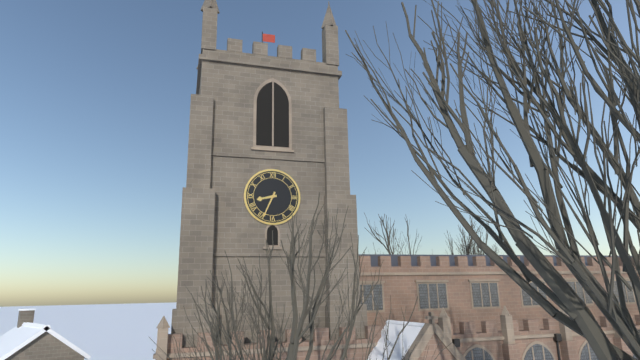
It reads h=8 m=34
